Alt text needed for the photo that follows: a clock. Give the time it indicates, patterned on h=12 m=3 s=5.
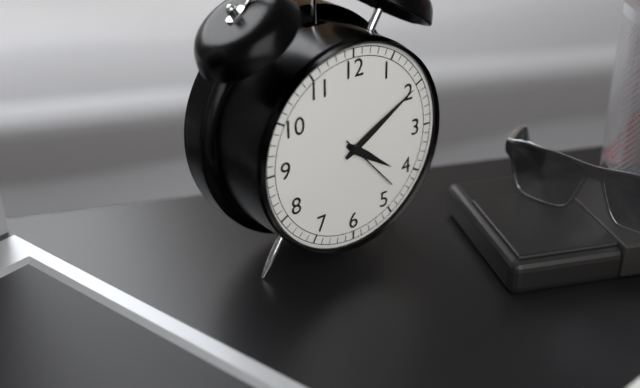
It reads h=4 m=10 s=23
